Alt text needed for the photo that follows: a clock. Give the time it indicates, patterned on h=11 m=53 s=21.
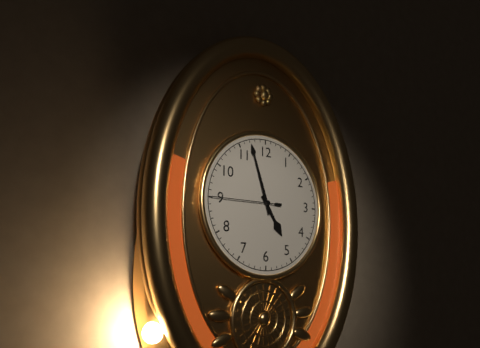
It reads h=4 m=57 s=45
